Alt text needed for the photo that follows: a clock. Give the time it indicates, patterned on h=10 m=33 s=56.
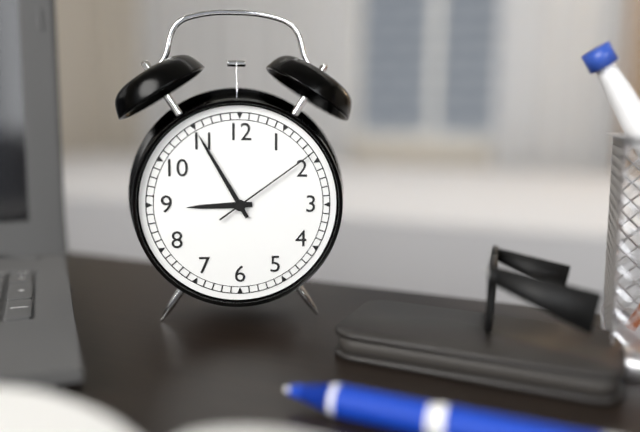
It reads h=8 m=55 s=9
